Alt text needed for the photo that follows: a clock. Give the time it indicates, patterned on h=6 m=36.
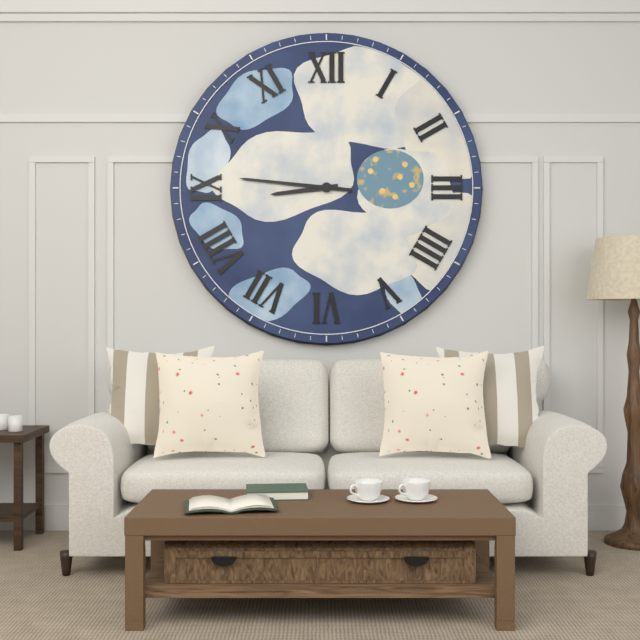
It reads h=8 m=46
